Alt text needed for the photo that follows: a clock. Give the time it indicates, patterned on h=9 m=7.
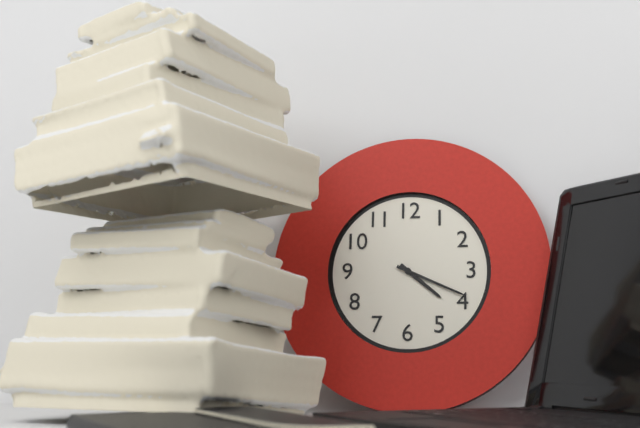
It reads h=4 m=19
